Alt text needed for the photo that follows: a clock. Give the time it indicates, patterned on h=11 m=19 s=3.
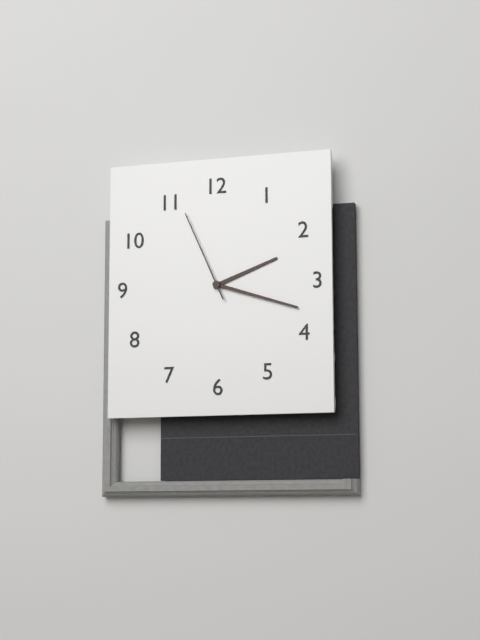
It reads h=2 m=18 s=56
